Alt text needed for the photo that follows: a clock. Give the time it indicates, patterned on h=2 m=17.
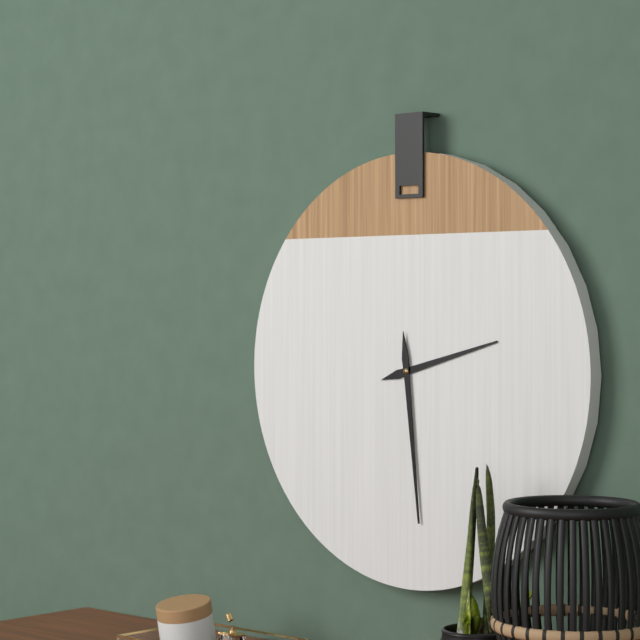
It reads h=2 m=29
